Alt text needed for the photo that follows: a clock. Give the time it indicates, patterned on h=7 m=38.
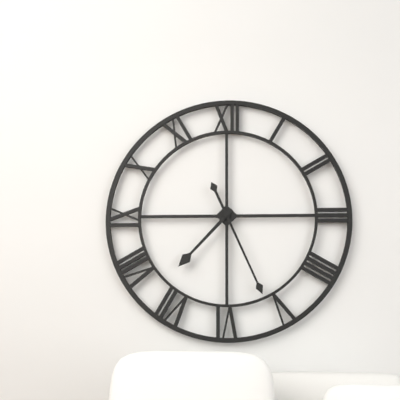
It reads h=7 m=26
